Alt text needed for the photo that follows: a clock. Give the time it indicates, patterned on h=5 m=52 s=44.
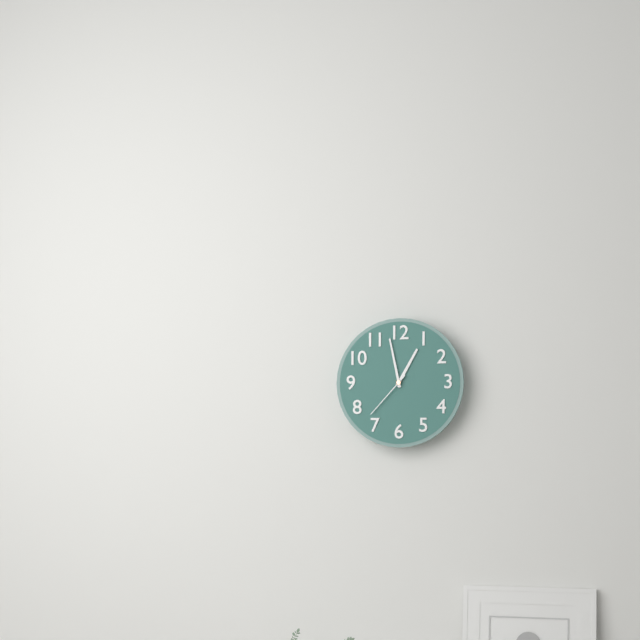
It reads h=12 m=58 s=37
